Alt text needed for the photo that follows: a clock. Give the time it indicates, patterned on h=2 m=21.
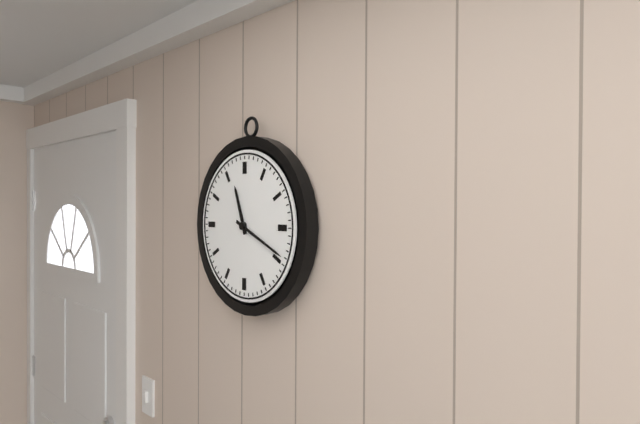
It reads h=11 m=19
